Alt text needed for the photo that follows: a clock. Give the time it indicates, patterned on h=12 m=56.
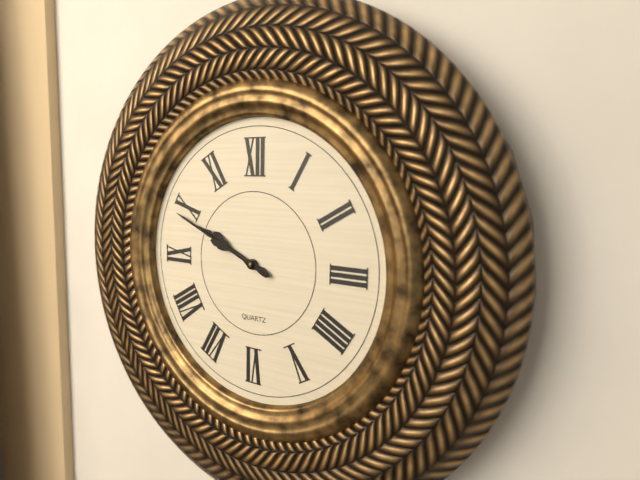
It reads h=9 m=49
